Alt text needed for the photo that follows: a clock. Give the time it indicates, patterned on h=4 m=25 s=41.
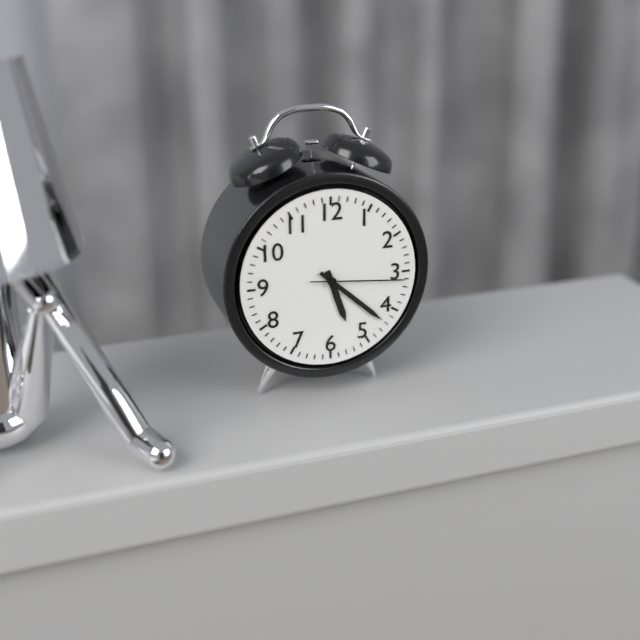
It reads h=5 m=22 s=16
